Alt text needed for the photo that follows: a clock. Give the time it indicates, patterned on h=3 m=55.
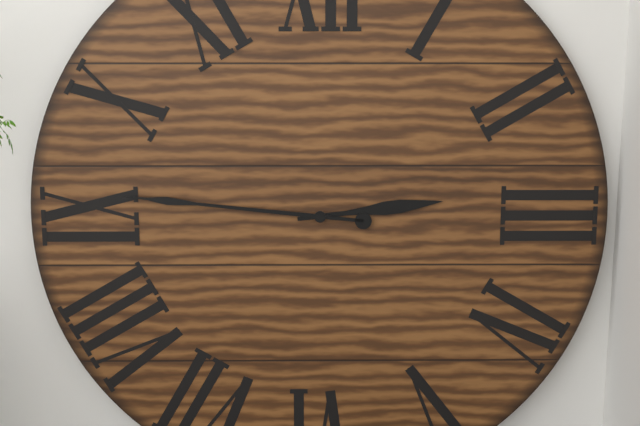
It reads h=2 m=46
